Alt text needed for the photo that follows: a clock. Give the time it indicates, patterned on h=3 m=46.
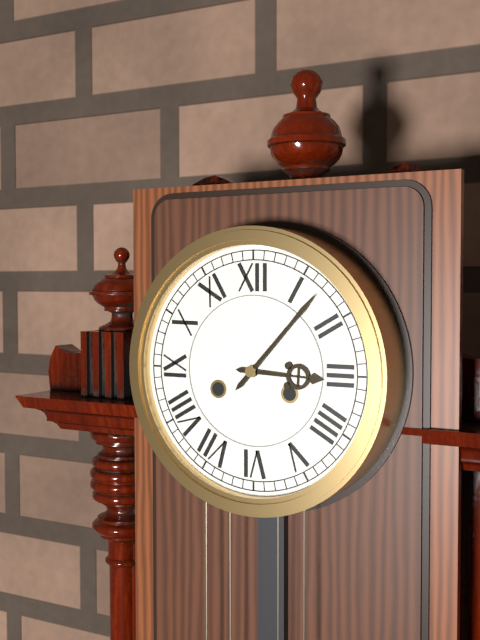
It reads h=3 m=7
